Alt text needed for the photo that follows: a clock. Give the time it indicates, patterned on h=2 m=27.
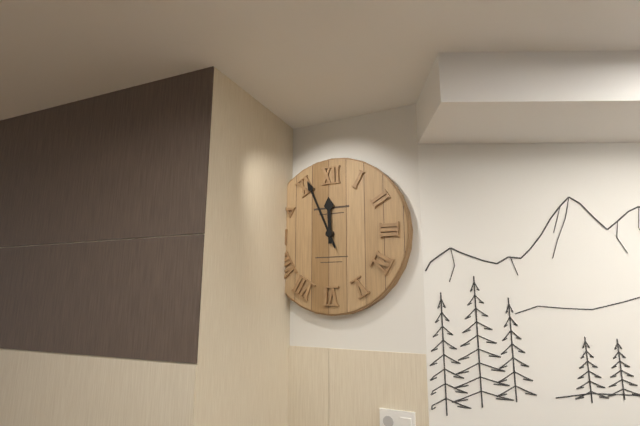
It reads h=11 m=56
